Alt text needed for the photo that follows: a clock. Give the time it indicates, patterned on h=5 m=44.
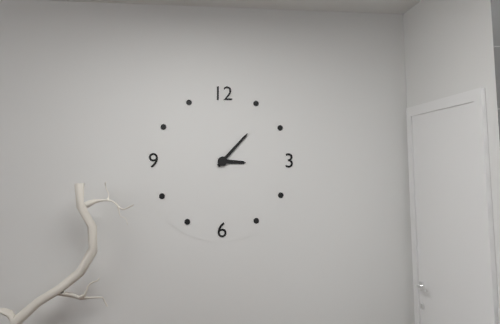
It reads h=3 m=7
